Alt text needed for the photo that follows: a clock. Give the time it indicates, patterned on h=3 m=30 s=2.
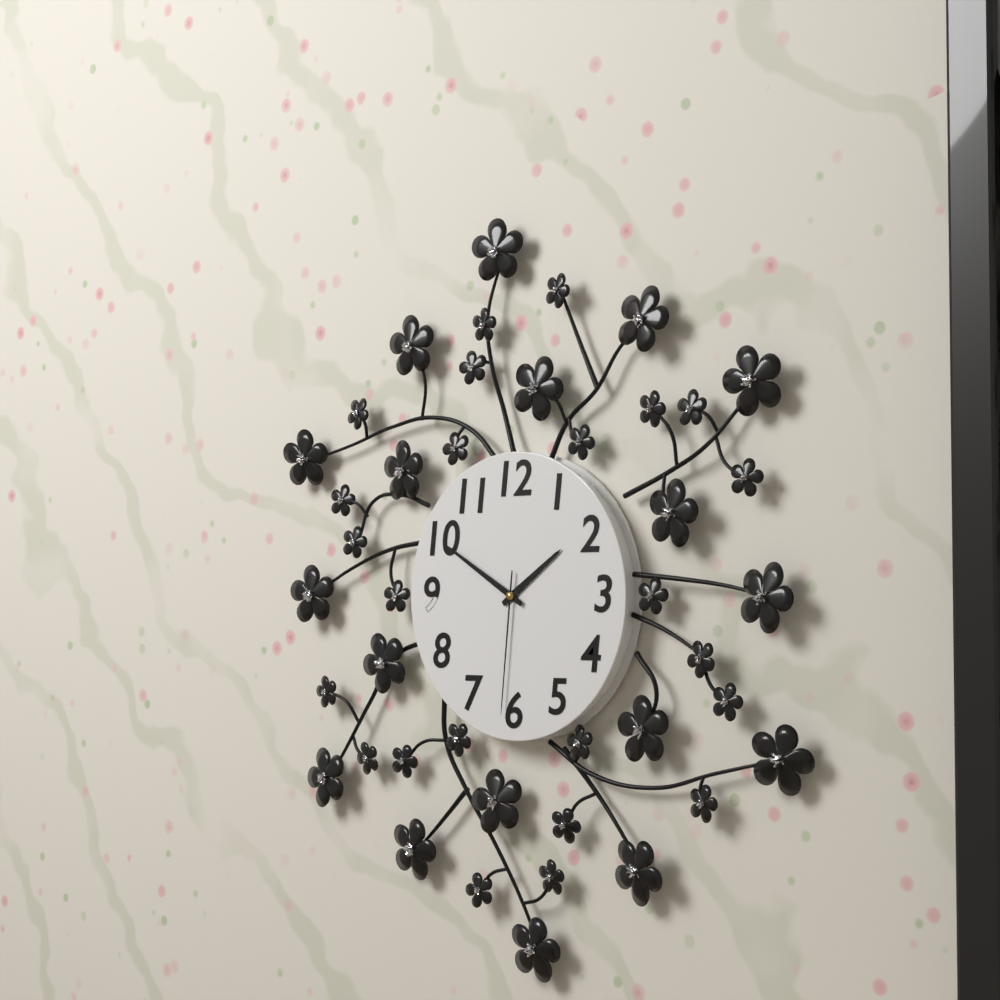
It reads h=1 m=50 s=31
